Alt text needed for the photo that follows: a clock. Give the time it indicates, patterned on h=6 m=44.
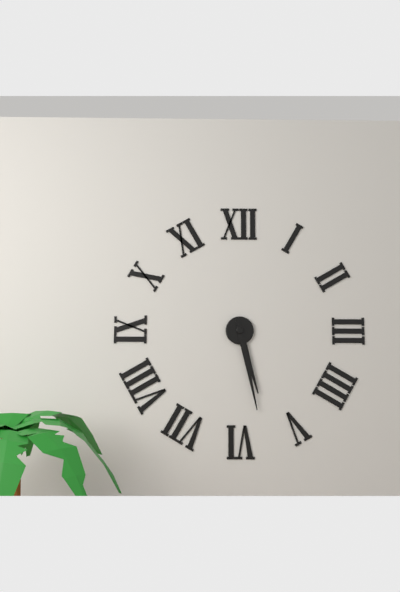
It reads h=5 m=28
